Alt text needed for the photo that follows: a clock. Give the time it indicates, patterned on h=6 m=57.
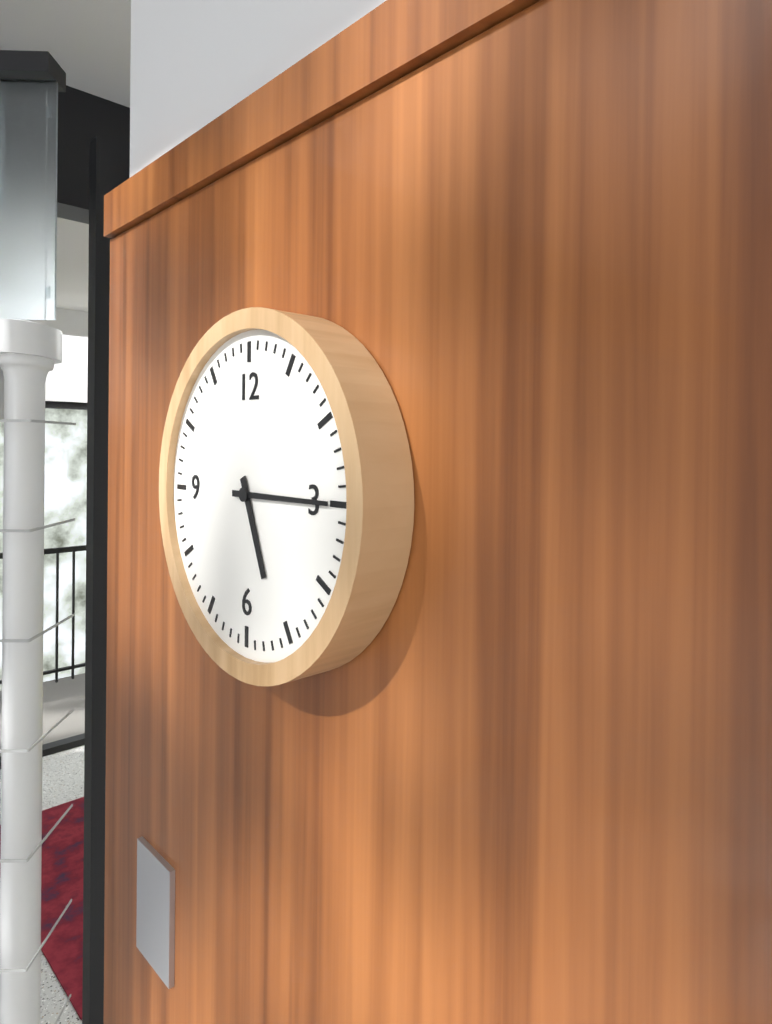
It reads h=5 m=15
